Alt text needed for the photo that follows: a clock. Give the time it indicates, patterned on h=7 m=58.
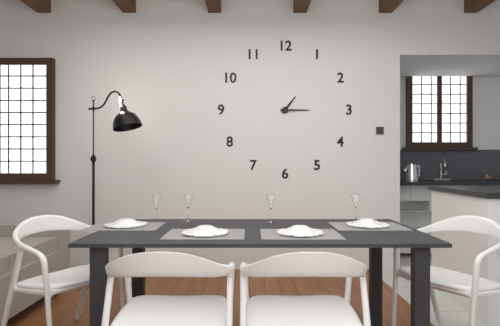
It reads h=1 m=15
